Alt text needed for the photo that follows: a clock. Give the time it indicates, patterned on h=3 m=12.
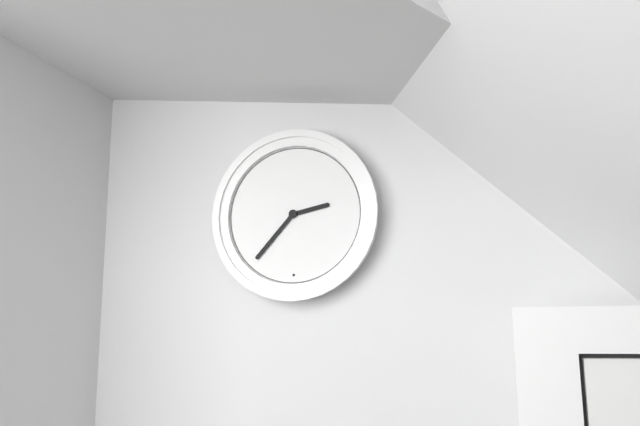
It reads h=2 m=37
